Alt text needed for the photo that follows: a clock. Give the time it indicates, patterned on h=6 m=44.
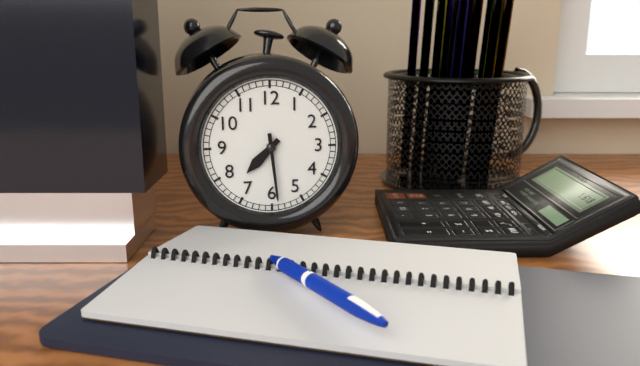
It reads h=7 m=29
